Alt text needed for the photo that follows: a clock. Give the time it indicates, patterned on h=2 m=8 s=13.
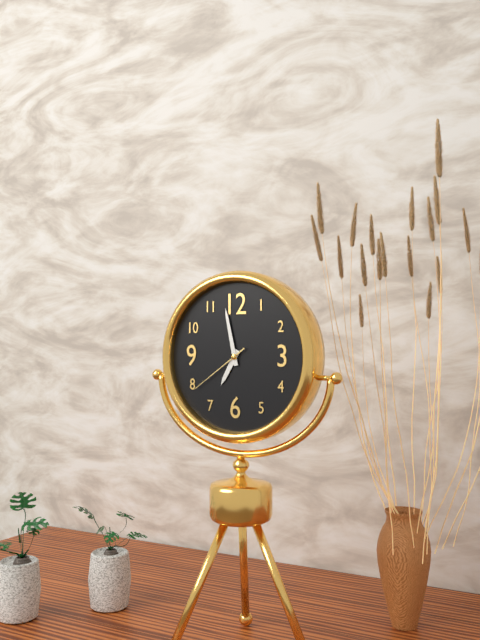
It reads h=6 m=58 s=39
